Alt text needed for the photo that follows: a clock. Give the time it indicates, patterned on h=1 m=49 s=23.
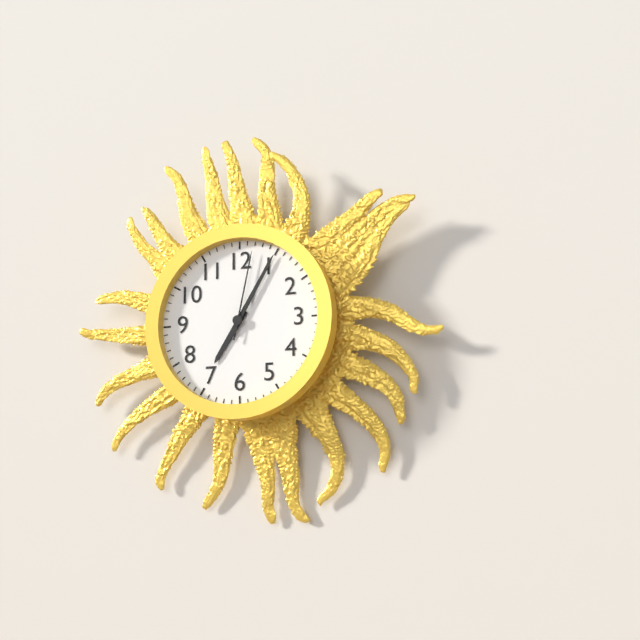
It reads h=7 m=5 s=2
